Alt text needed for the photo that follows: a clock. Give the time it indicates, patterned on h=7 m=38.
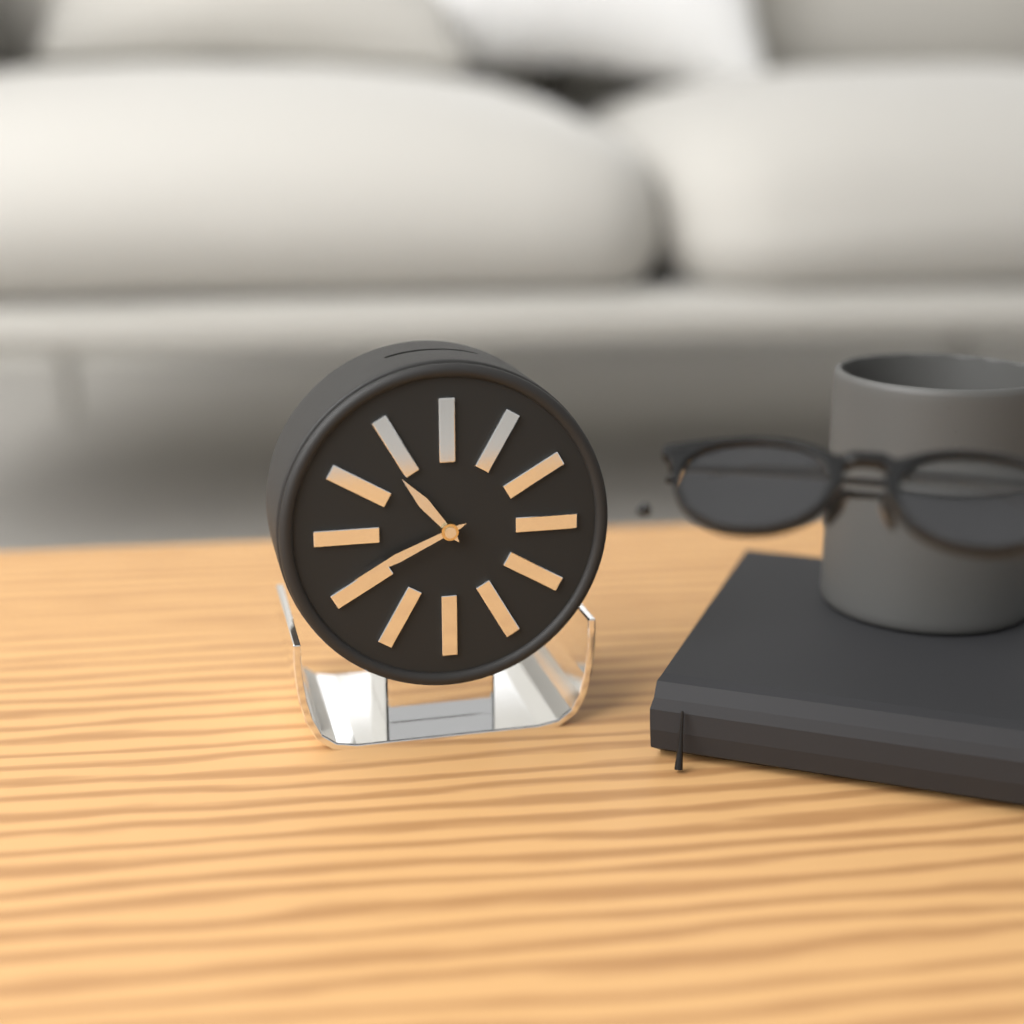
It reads h=10 m=41
